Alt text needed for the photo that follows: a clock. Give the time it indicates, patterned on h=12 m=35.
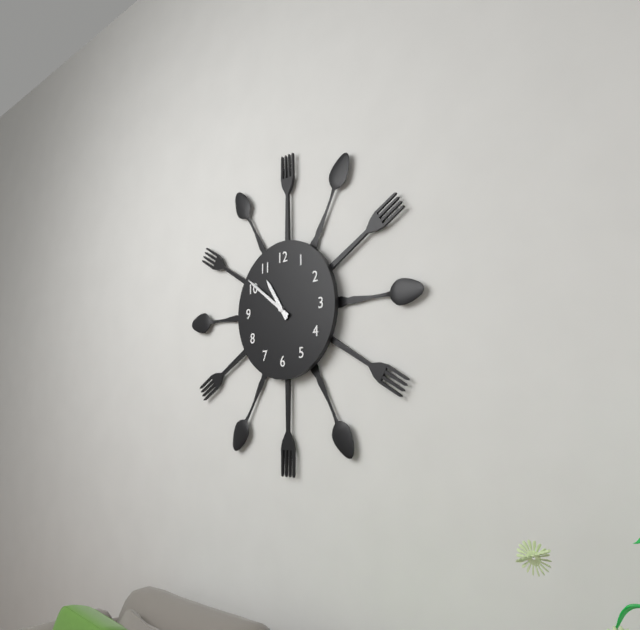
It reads h=10 m=51
